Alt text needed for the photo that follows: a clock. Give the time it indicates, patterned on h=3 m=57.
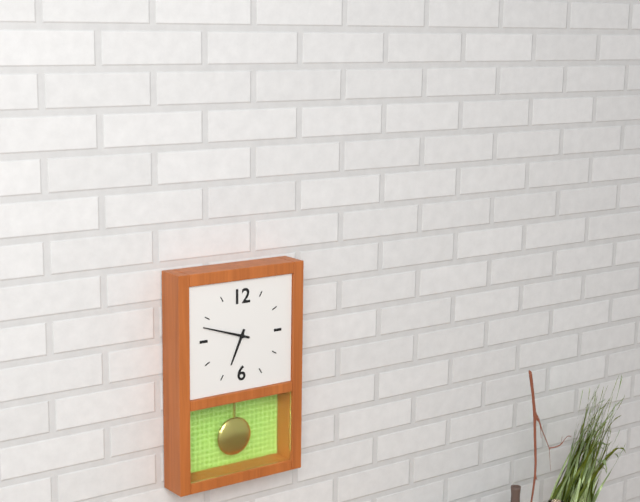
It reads h=6 m=48
